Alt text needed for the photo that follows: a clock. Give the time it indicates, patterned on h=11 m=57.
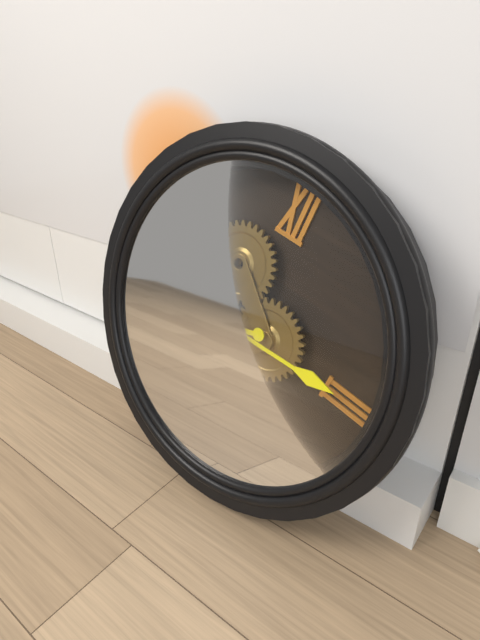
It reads h=8 m=14
